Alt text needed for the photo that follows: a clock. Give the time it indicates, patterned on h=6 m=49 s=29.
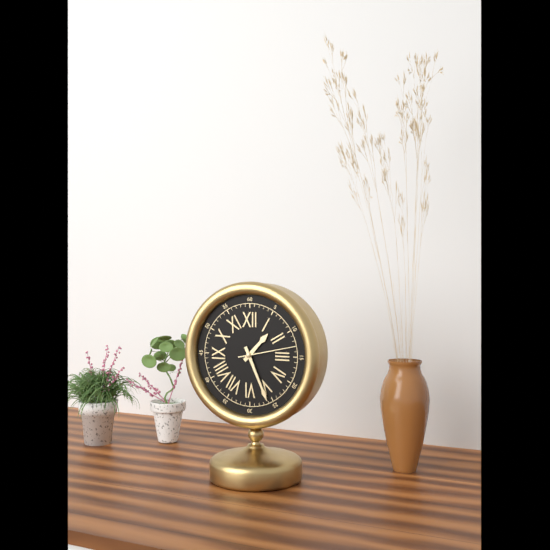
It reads h=1 m=26 s=13
